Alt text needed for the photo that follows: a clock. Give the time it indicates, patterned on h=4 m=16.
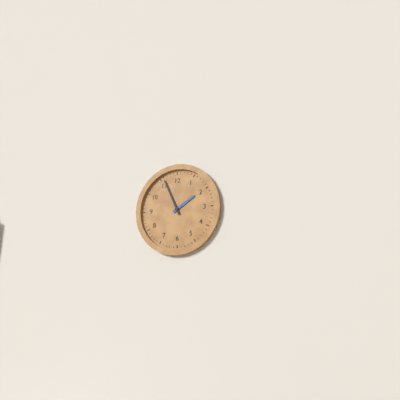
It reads h=1 m=56
